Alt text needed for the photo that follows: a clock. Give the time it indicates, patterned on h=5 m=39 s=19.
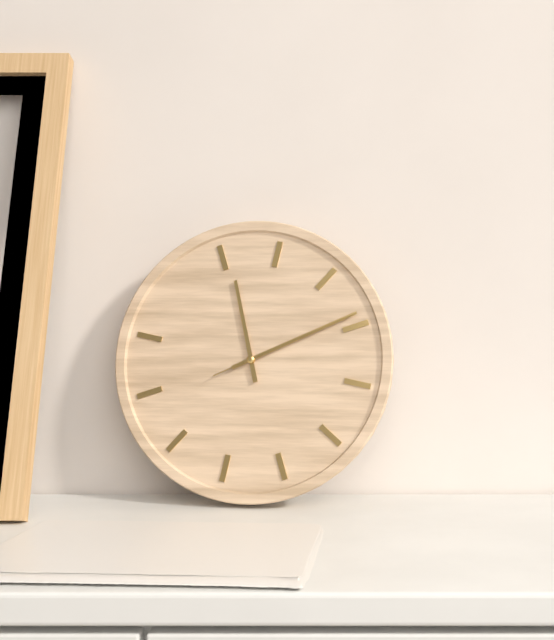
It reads h=11 m=9 s=9
